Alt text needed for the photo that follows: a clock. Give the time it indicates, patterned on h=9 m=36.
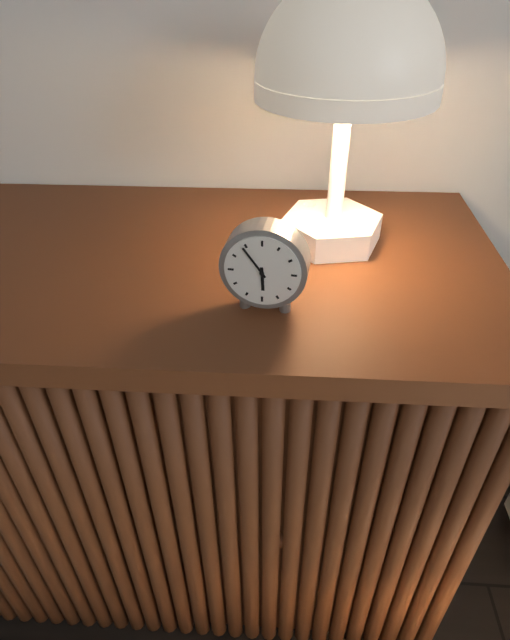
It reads h=5 m=54
